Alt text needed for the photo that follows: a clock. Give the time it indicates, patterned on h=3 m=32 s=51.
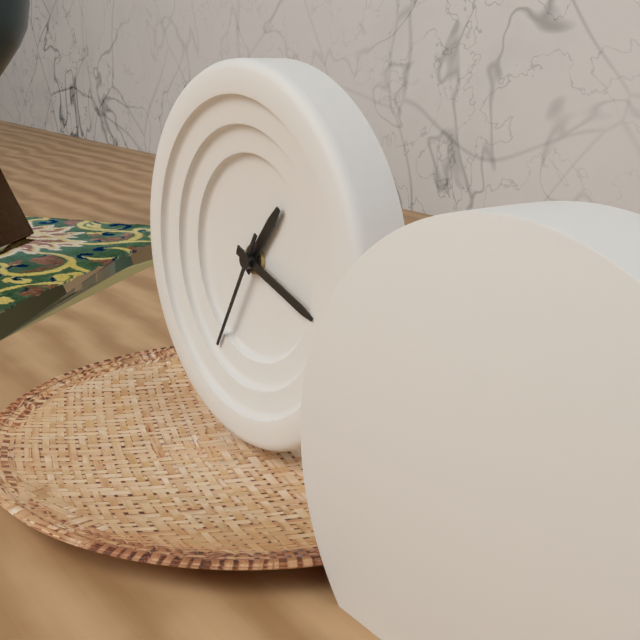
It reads h=1 m=18 s=35
